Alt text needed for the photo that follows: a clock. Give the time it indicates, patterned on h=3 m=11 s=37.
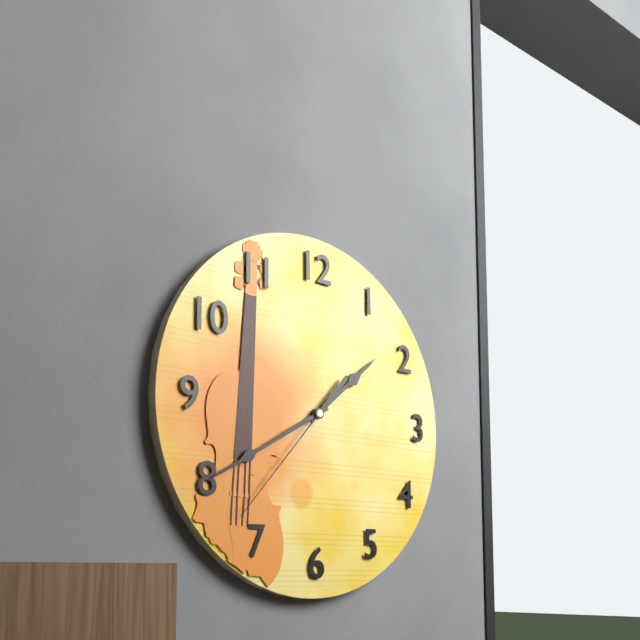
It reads h=1 m=40 s=37
